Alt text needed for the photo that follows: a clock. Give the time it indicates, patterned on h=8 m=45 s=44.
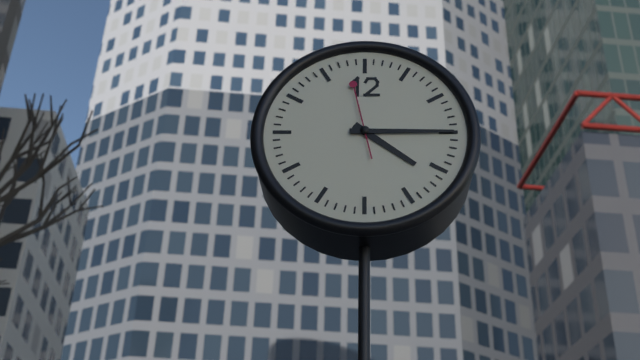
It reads h=4 m=15 s=58
